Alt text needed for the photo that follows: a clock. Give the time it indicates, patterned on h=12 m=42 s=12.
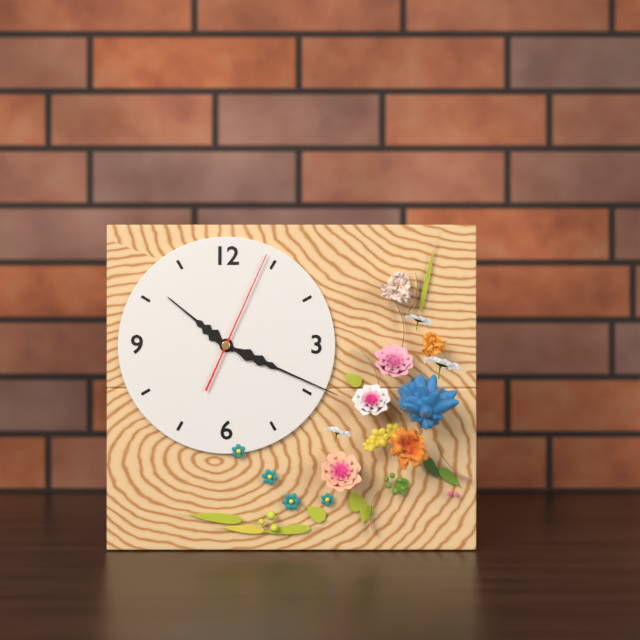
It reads h=10 m=19 s=4
